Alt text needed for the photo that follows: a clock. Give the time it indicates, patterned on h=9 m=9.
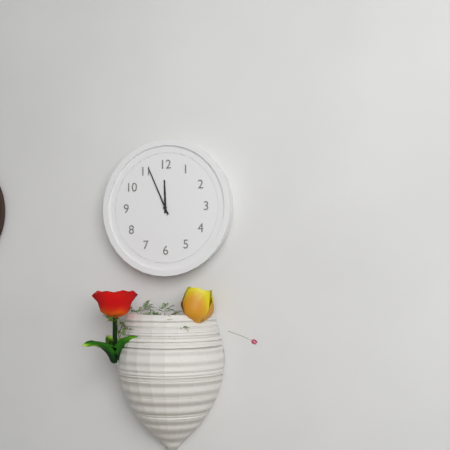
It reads h=11 m=56
